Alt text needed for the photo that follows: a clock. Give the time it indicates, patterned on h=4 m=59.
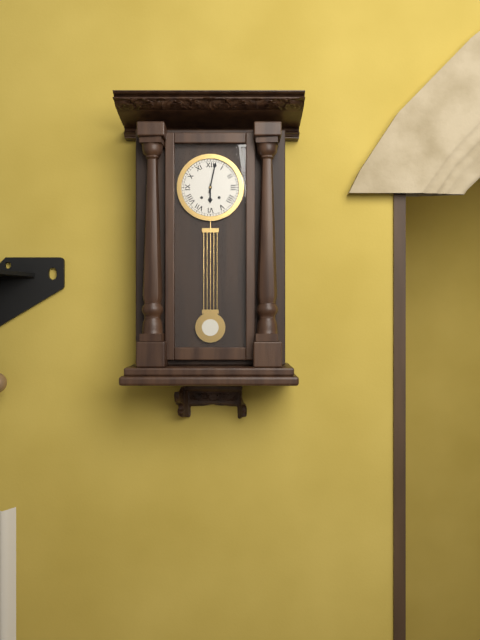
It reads h=6 m=2
